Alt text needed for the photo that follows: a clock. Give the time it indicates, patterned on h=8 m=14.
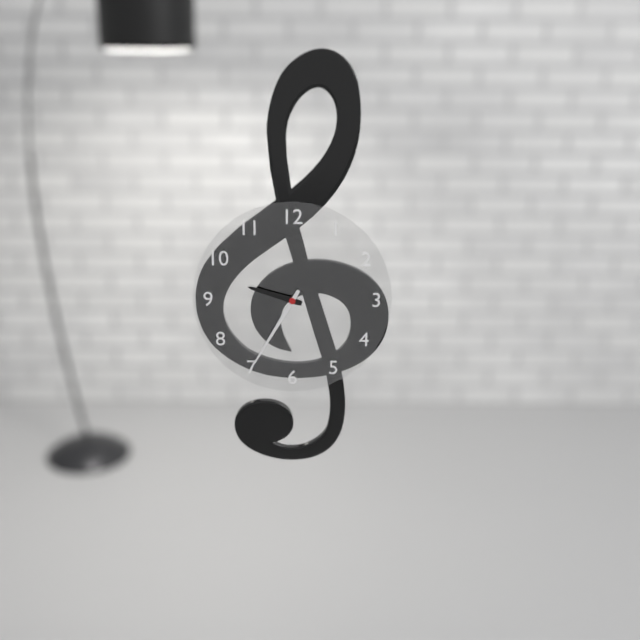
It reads h=9 m=35
